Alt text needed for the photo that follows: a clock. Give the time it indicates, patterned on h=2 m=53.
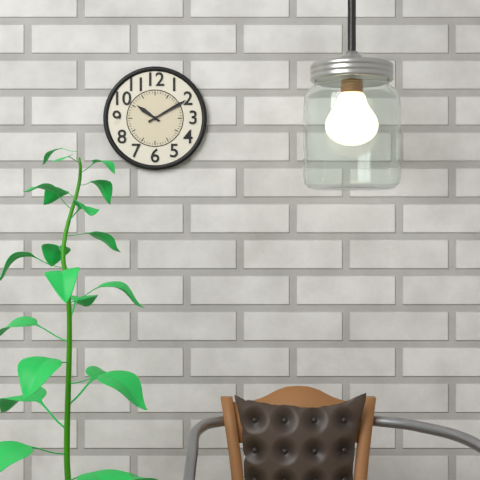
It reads h=10 m=10
